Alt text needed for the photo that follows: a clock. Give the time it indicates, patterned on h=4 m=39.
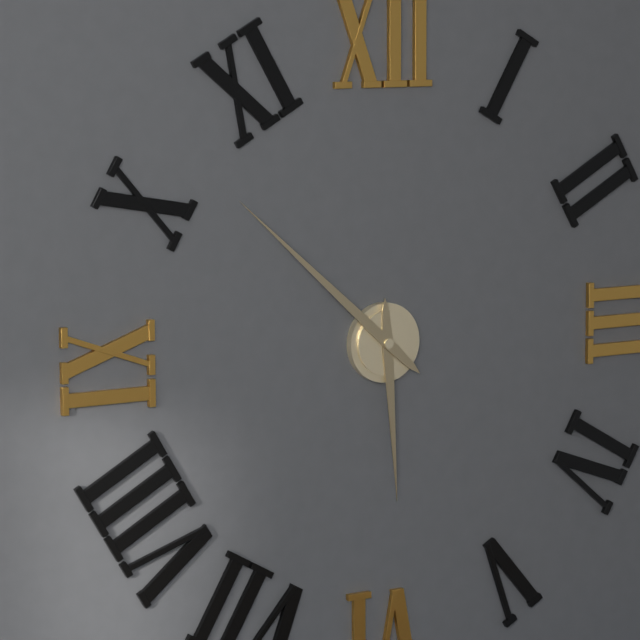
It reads h=5 m=52
